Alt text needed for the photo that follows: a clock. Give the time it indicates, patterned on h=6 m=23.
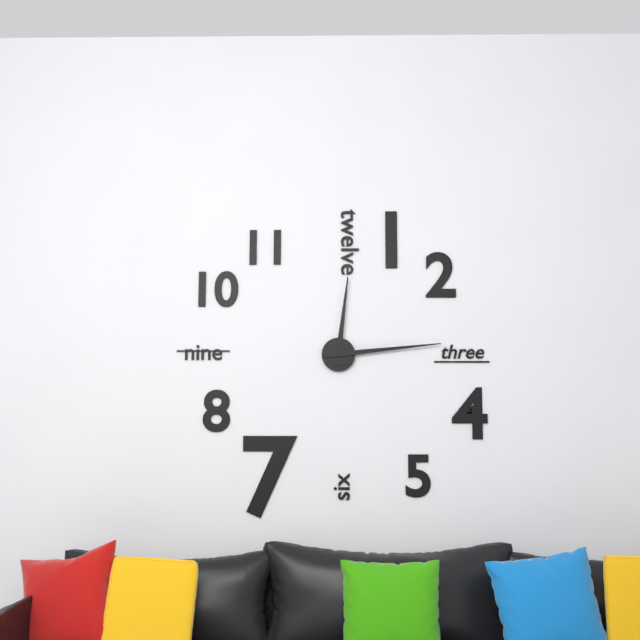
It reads h=12 m=14
